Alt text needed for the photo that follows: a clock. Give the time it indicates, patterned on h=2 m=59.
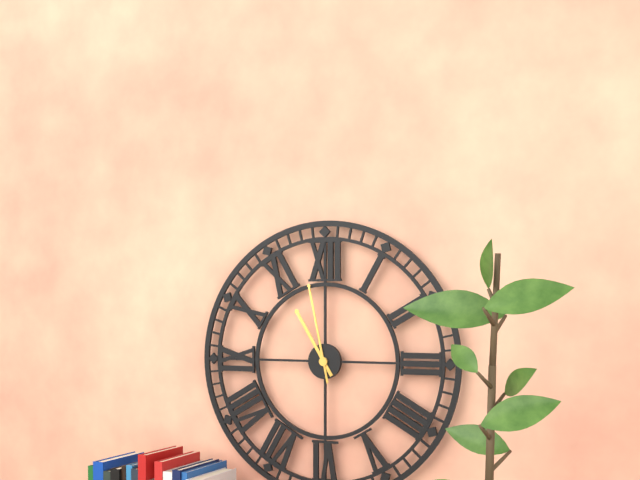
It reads h=10 m=58
